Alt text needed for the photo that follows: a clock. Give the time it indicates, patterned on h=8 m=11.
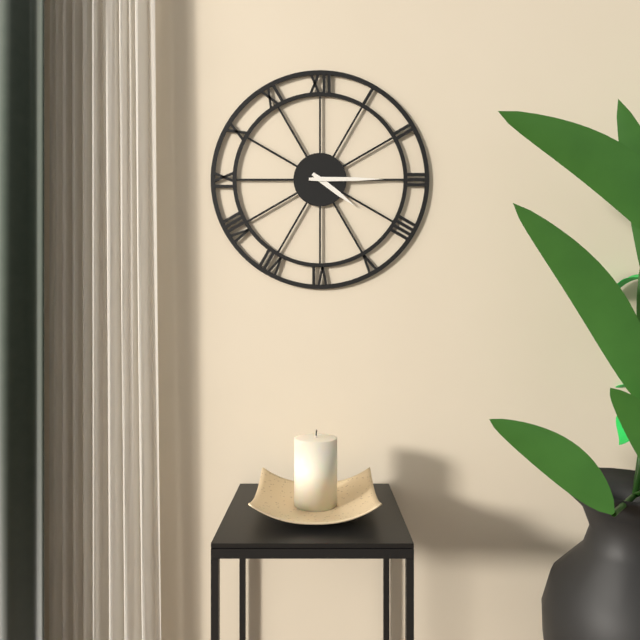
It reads h=4 m=15
